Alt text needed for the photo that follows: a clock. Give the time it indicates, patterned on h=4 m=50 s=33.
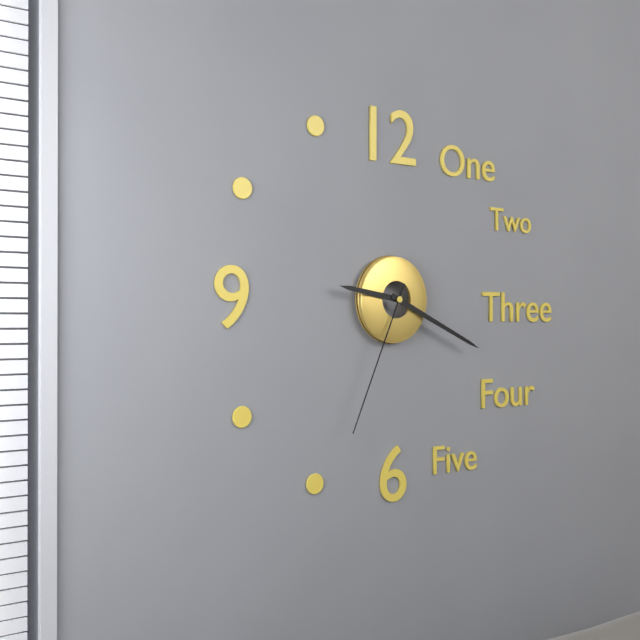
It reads h=9 m=19 s=34
